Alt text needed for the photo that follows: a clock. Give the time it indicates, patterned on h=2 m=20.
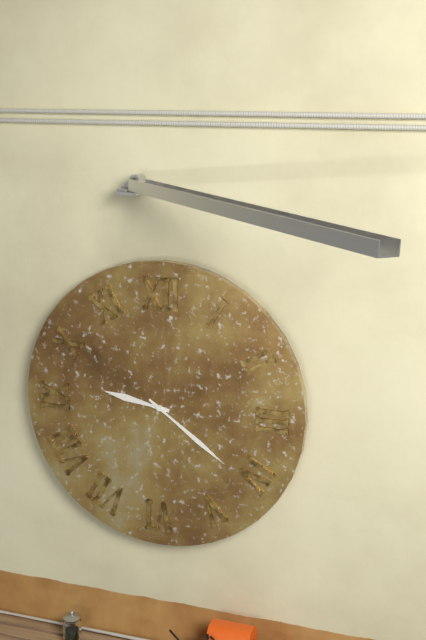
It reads h=9 m=21
